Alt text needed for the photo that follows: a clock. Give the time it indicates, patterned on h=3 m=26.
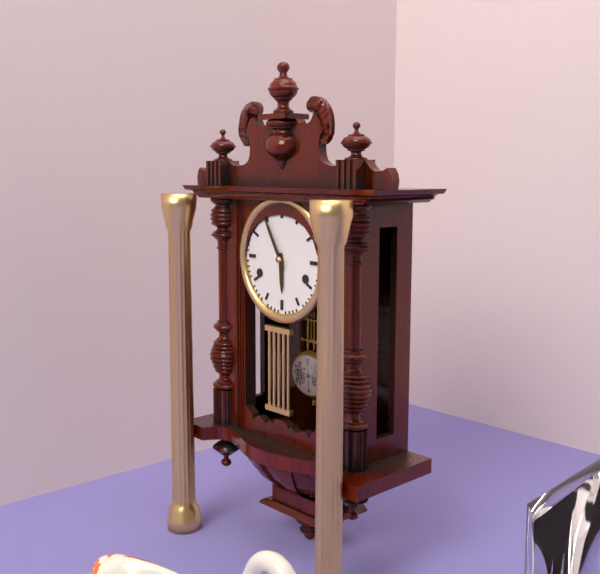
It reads h=5 m=55
